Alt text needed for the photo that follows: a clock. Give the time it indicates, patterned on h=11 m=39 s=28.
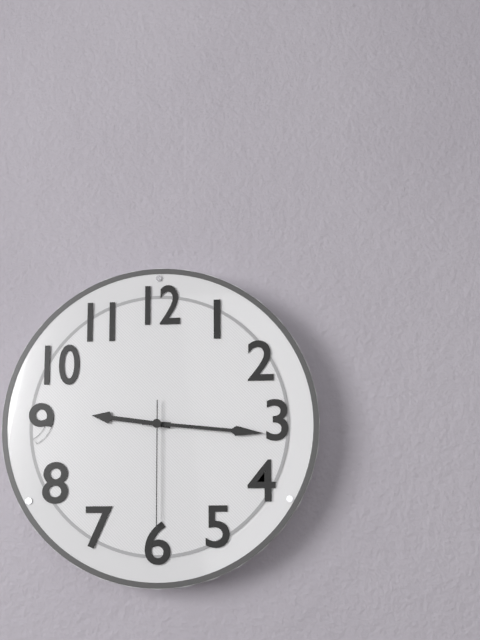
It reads h=9 m=16 s=30
